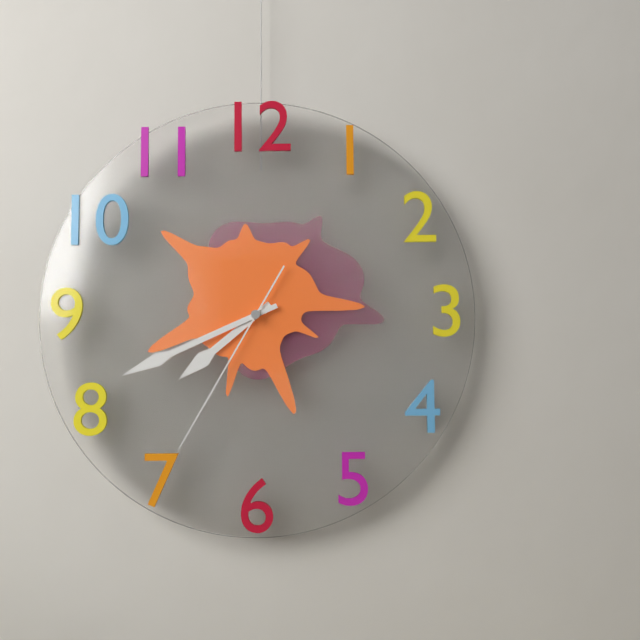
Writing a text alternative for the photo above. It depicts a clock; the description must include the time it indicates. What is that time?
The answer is 7:41:35
